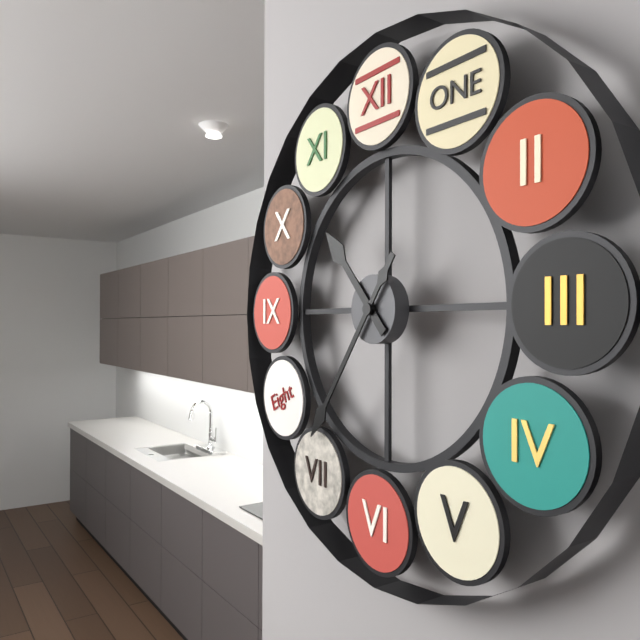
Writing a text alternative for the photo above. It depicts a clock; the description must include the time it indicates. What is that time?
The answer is 10:36
